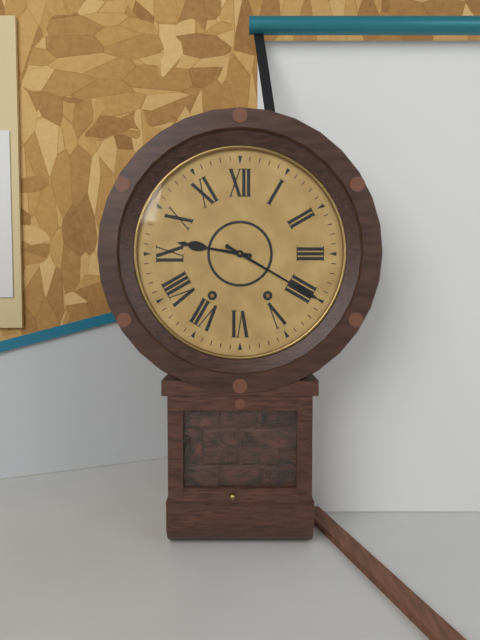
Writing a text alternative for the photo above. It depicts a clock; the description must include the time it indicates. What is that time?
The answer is 9:20
